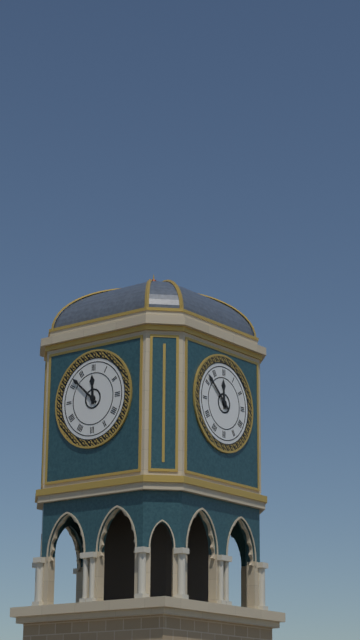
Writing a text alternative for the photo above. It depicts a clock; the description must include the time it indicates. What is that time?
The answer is 11:52
